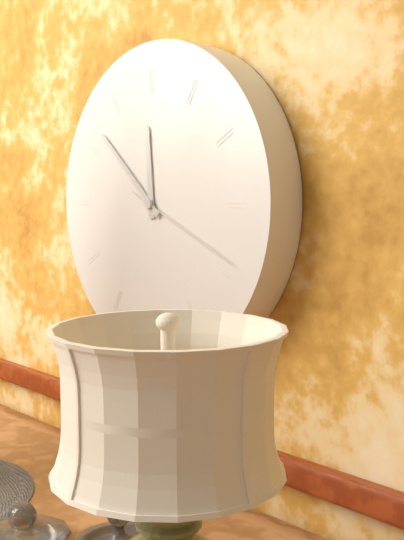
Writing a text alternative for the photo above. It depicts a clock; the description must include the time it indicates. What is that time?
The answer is 11:52:19
